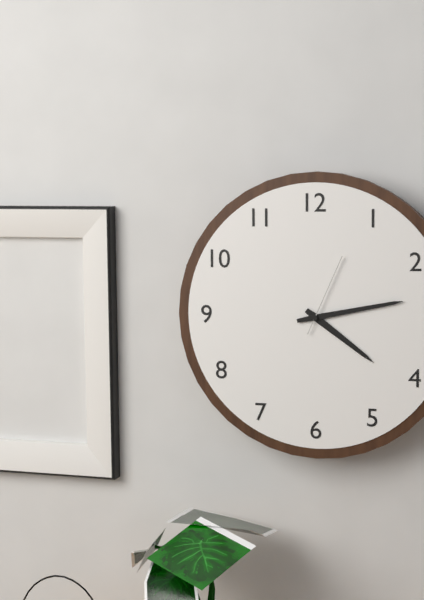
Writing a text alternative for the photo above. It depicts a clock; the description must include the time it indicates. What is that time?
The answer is 4:13:04
